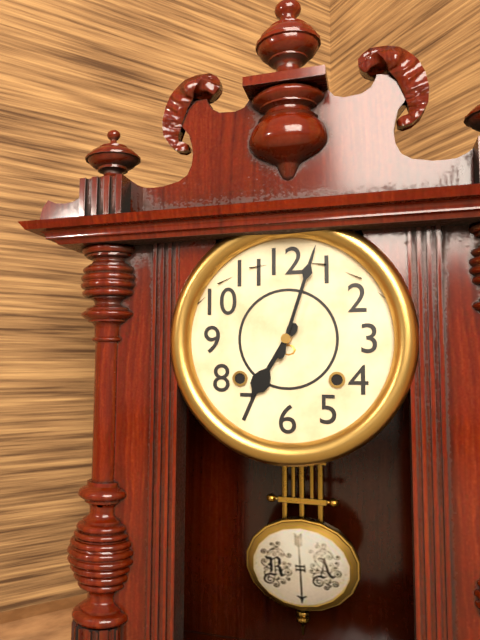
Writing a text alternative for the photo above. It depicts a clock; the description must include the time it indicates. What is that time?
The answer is 7:03
